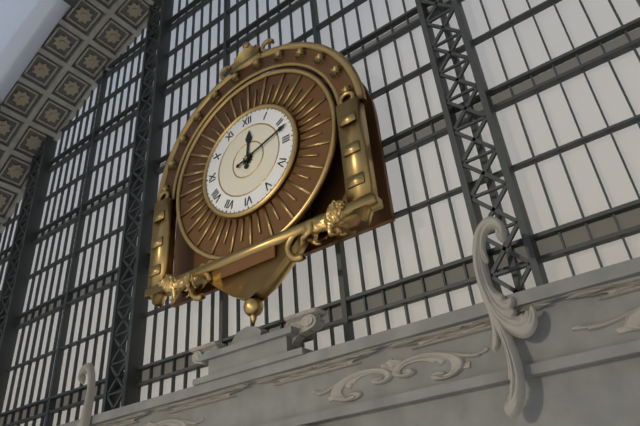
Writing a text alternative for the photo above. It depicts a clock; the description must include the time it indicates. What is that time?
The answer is 12:12
